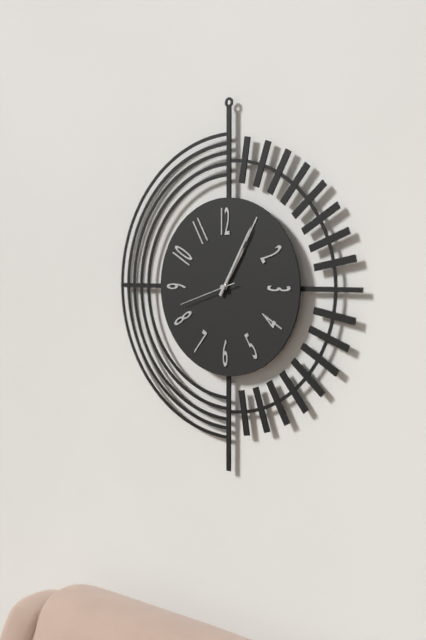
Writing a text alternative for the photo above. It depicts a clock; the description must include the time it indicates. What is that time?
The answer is 1:05:42
